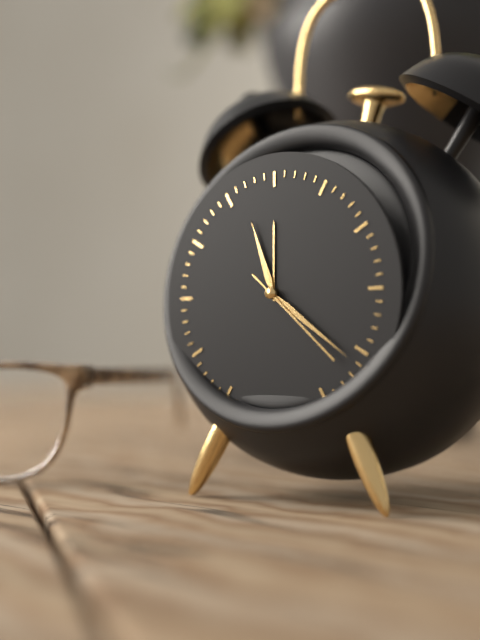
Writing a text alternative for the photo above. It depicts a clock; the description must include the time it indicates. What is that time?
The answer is 11:21:22
